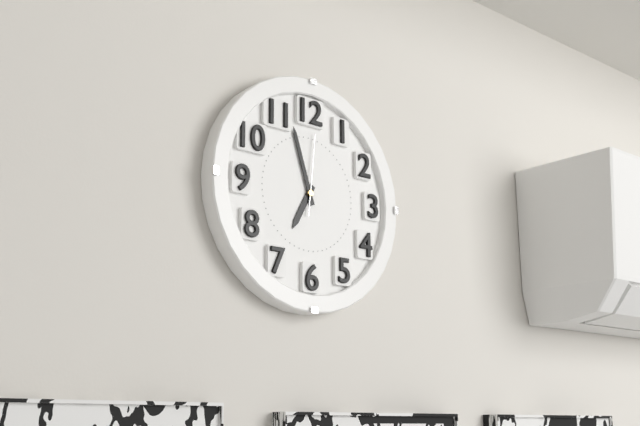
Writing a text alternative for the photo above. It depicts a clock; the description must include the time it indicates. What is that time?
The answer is 6:57:01
